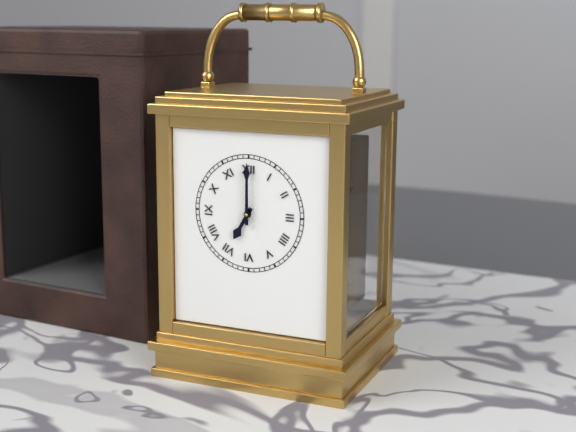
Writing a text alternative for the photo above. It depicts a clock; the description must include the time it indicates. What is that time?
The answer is 7:00
